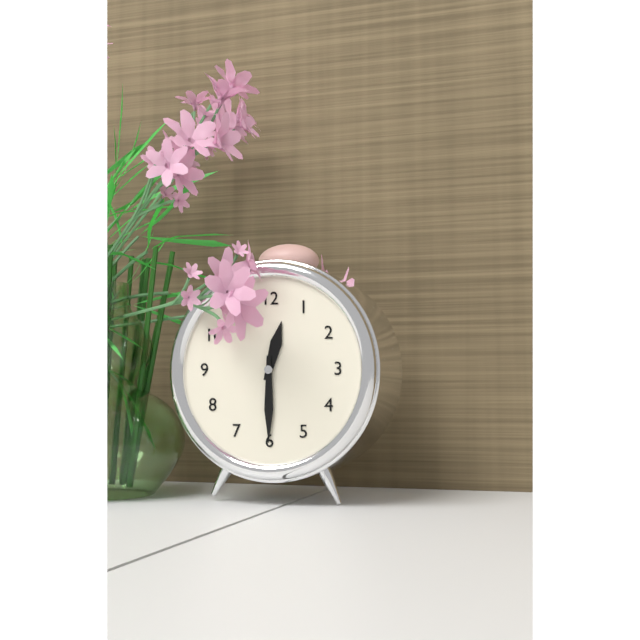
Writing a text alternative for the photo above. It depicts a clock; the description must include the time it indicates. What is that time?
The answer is 12:30
